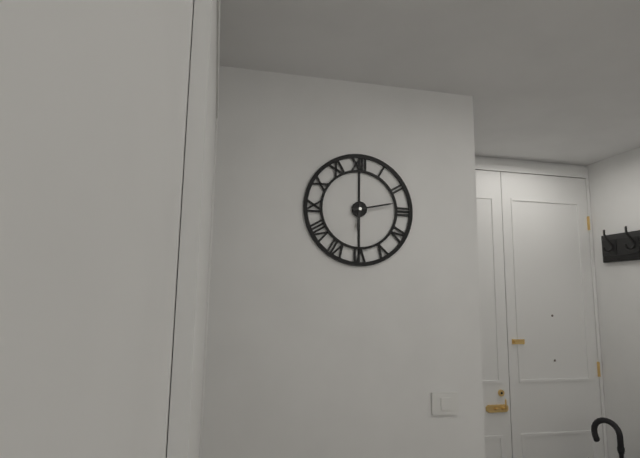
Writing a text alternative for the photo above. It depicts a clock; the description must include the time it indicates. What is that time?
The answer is 6:13
